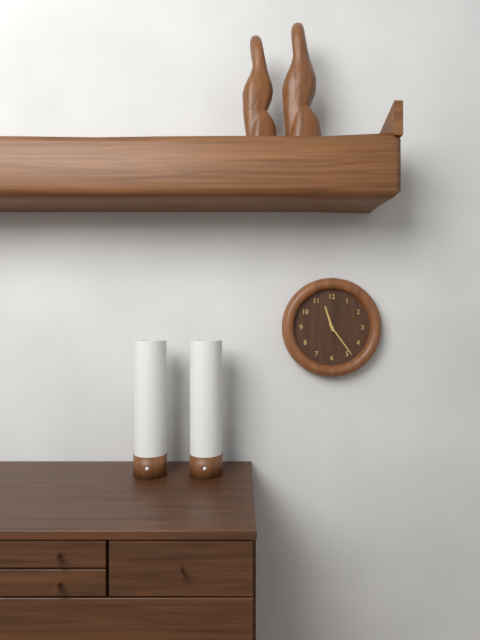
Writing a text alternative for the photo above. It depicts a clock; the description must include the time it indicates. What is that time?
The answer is 11:24
